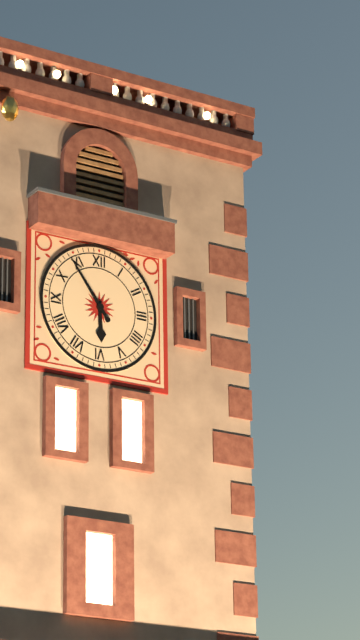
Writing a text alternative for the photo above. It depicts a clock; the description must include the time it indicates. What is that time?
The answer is 5:54
